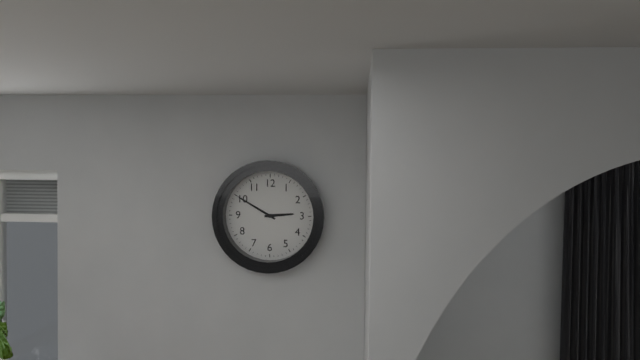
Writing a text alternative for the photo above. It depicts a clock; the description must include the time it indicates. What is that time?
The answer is 2:50
